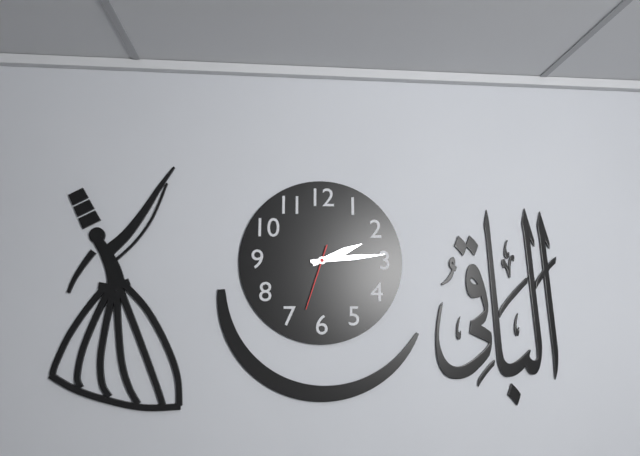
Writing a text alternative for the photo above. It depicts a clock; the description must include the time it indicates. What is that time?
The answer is 2:14:33
